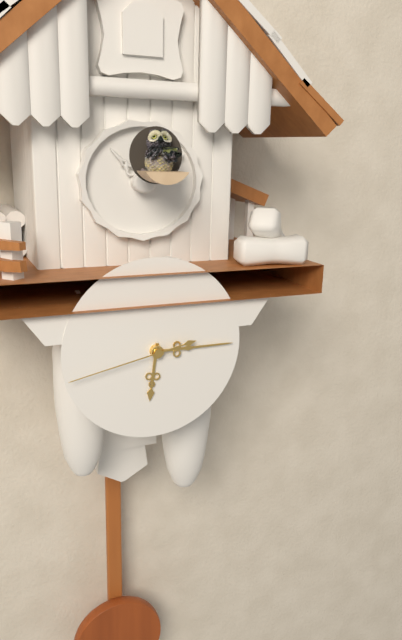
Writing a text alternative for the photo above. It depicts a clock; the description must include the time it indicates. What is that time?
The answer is 6:15:43
